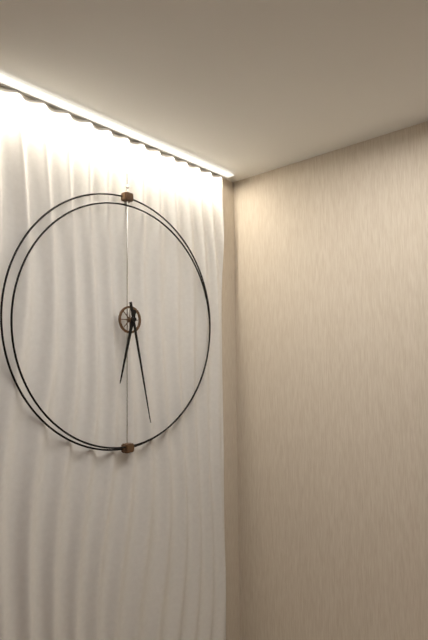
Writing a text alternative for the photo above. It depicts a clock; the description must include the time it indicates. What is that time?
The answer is 6:28
